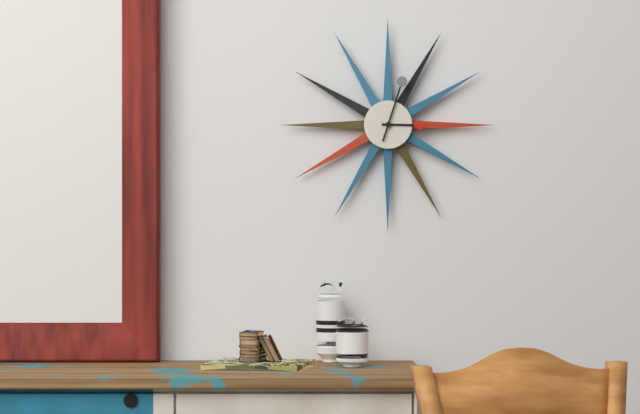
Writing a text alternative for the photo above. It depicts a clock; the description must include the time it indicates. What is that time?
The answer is 3:03
